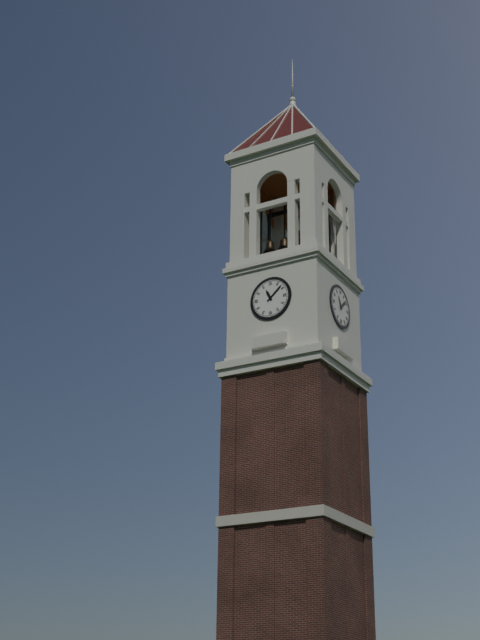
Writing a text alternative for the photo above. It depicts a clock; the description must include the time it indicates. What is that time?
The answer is 11:08
